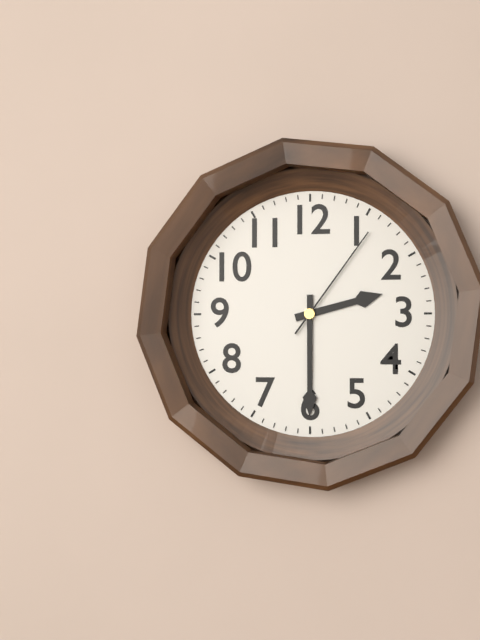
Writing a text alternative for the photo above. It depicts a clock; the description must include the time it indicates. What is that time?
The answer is 2:30:06
